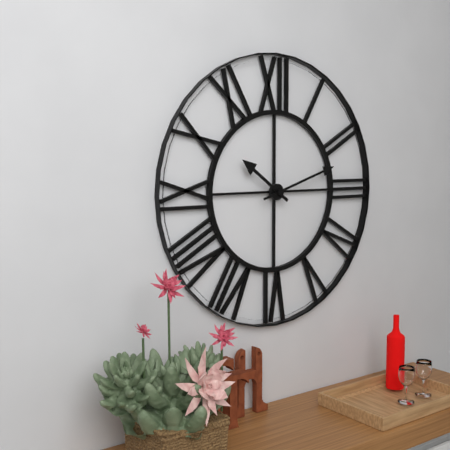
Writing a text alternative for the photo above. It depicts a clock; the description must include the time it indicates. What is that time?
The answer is 10:12
